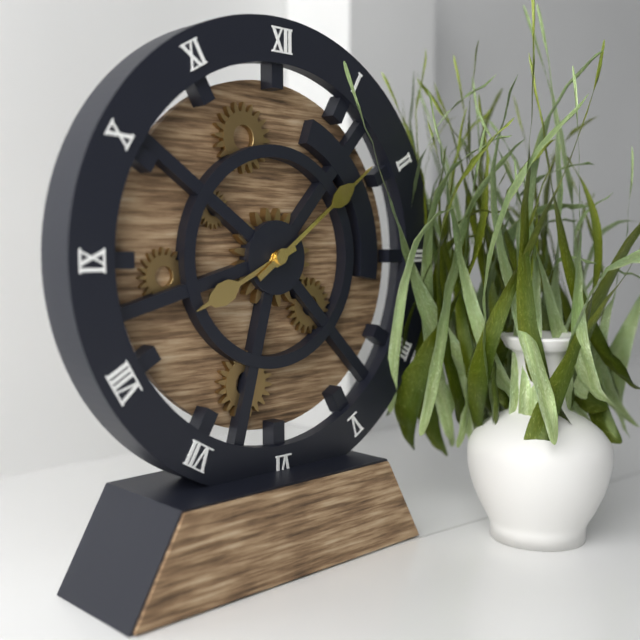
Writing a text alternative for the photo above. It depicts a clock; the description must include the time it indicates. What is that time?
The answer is 8:09
